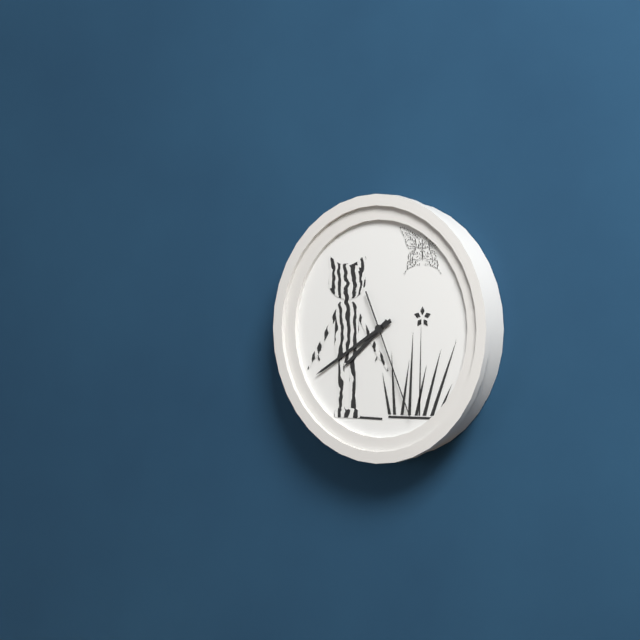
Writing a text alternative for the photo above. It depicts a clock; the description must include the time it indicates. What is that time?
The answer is 7:40:26
